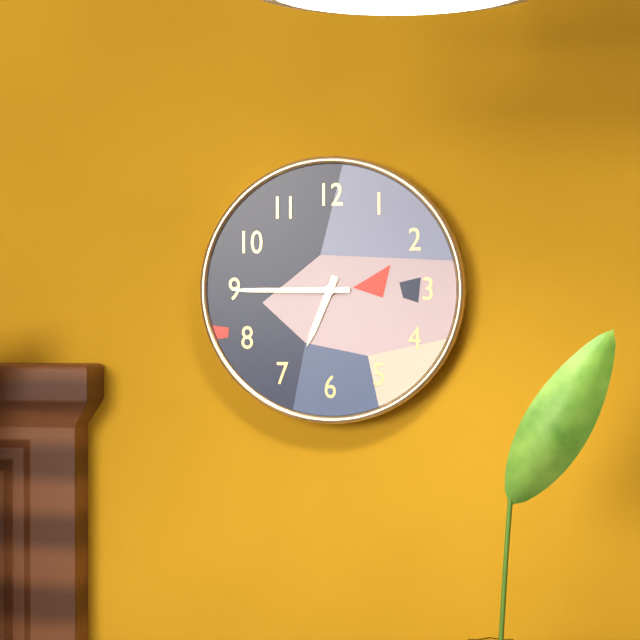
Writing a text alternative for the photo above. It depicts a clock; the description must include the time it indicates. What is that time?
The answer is 6:45
